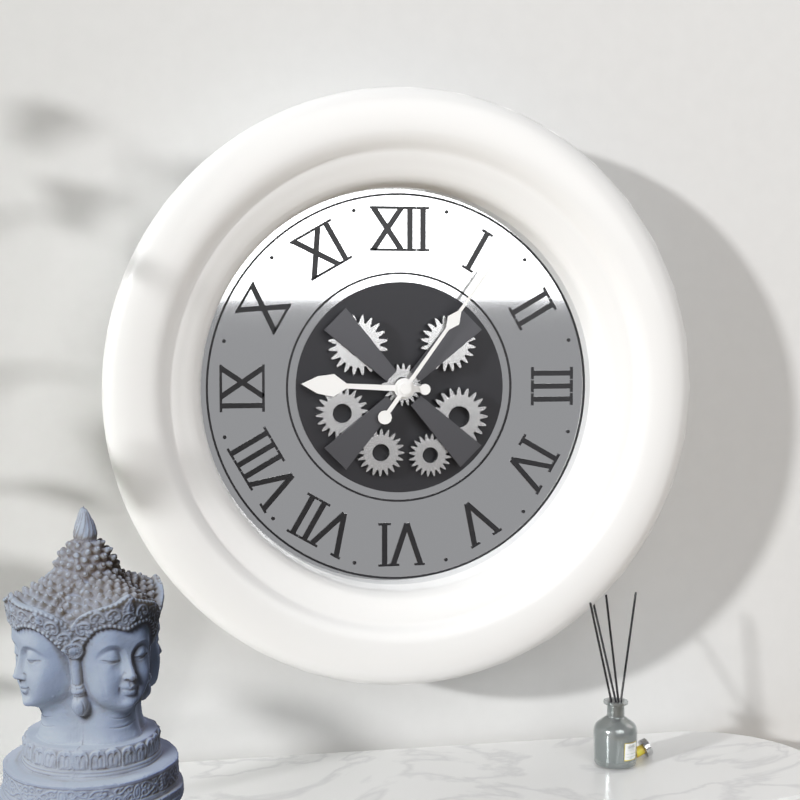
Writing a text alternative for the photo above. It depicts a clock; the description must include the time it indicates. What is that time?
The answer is 9:06
